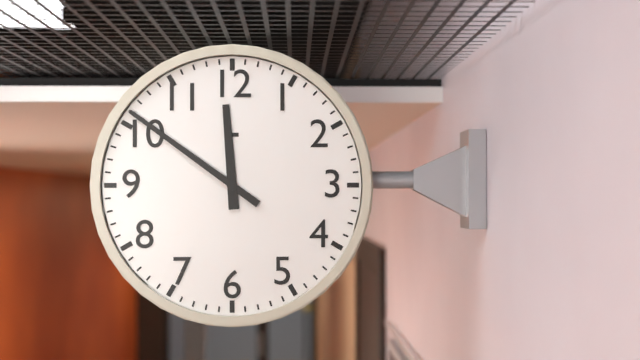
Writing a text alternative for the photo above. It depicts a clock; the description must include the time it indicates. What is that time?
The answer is 11:51
